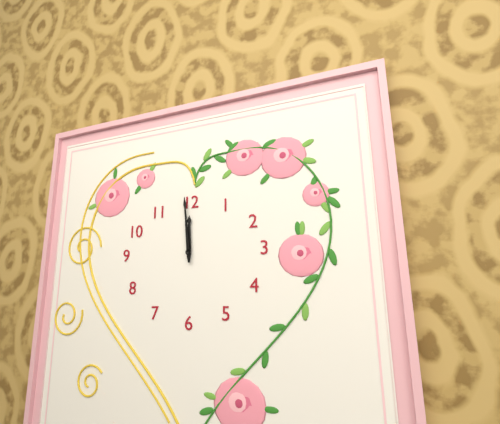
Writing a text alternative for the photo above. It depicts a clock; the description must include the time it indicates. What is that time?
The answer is 11:59
